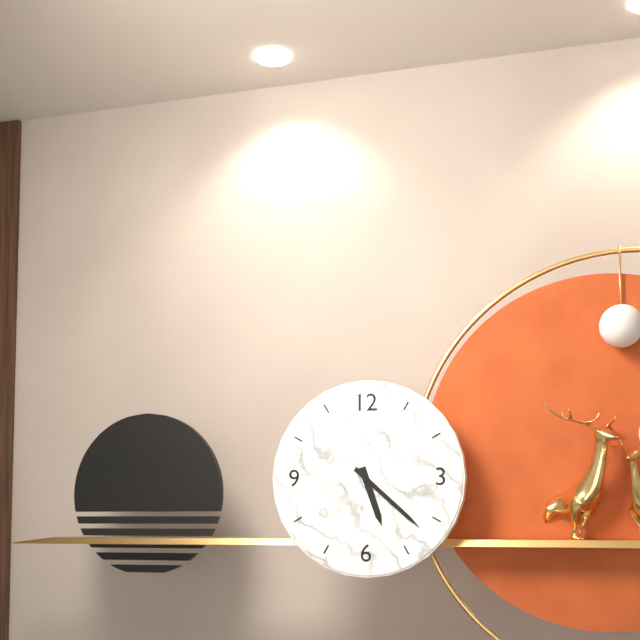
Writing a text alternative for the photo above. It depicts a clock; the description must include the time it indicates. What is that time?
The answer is 5:22
